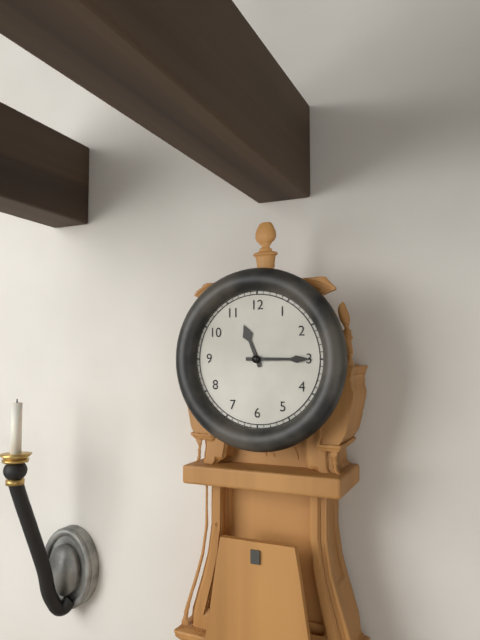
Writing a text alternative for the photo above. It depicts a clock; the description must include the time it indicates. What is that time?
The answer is 11:15
